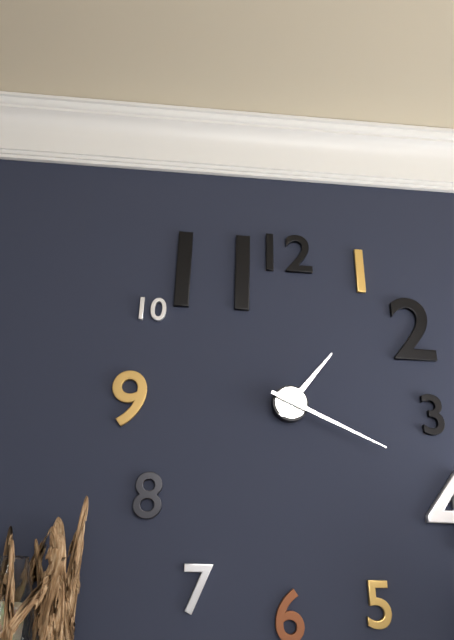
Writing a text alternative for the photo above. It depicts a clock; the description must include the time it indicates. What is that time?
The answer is 1:19
